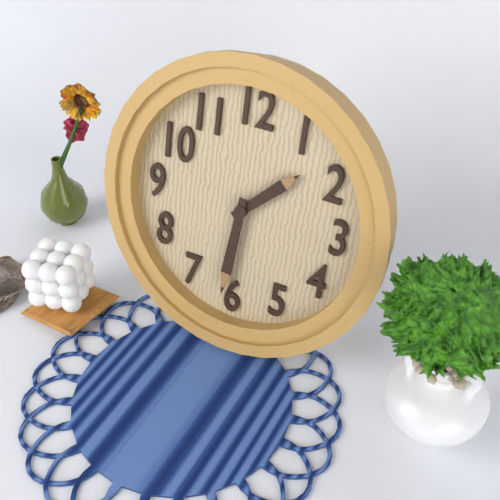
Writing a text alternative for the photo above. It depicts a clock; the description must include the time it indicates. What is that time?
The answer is 1:31
